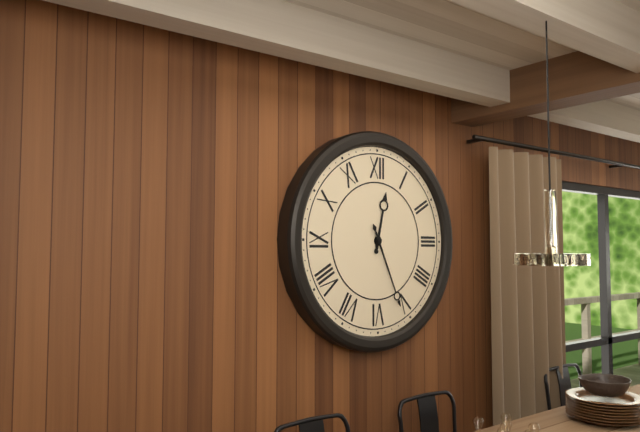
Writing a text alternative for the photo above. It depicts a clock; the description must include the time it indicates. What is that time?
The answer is 12:26
